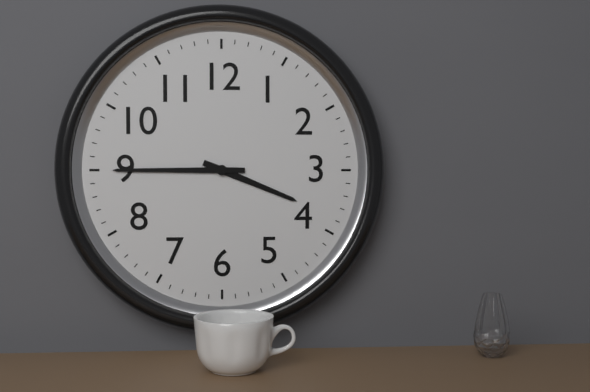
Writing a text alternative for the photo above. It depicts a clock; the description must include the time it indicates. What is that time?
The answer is 3:45
